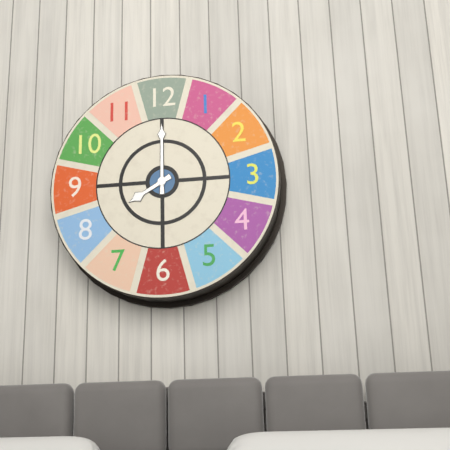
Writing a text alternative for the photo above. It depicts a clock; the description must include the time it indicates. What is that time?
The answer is 8:00
